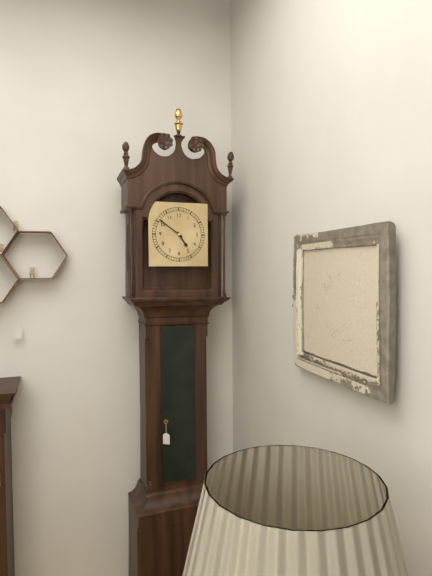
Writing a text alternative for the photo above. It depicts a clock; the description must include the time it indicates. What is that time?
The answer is 4:51
